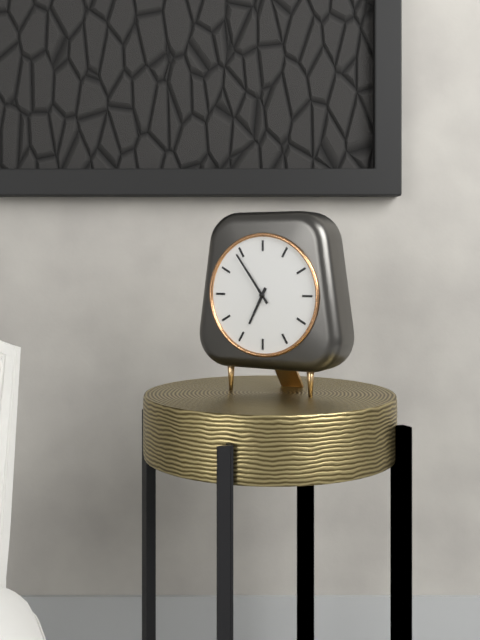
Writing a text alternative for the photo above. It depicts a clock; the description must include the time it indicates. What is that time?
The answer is 6:54
